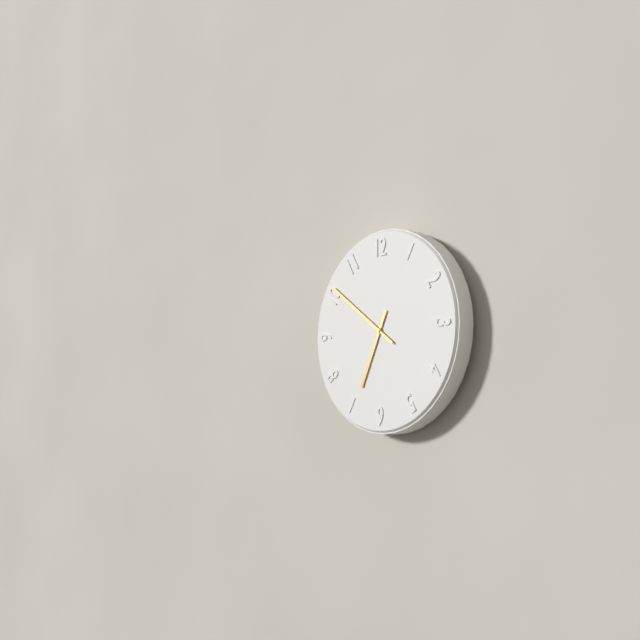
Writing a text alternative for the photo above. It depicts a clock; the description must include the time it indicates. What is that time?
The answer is 6:51
